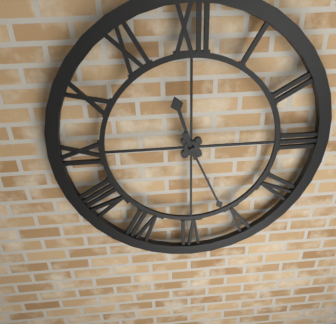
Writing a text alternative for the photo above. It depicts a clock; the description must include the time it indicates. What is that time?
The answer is 11:26
